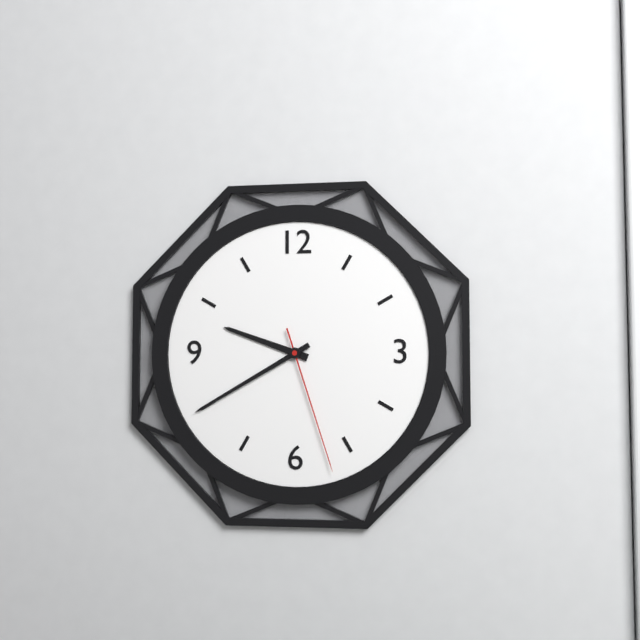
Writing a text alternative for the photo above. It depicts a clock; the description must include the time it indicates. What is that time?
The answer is 9:40:27
